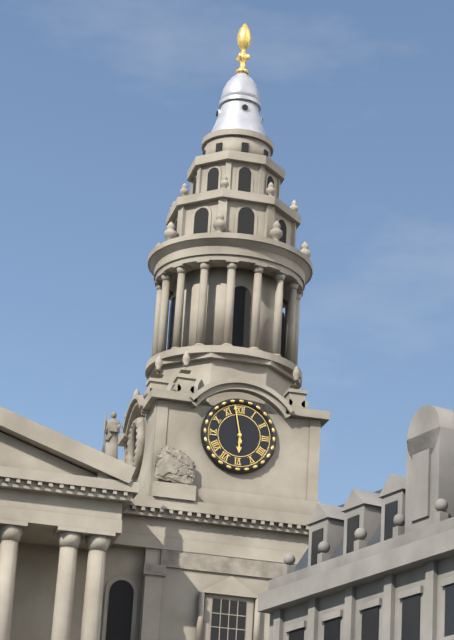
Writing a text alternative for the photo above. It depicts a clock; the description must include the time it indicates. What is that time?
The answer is 5:58
